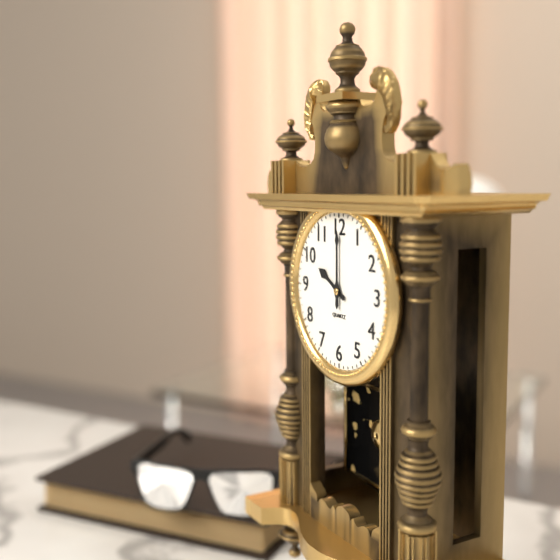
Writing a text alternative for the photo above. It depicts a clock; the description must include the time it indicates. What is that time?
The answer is 10:00
